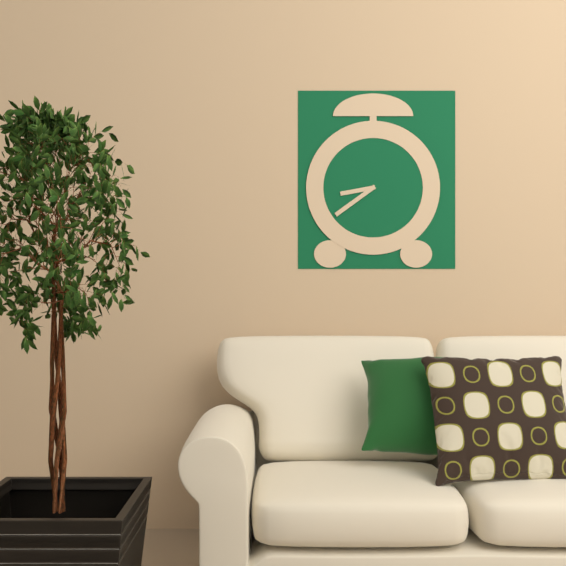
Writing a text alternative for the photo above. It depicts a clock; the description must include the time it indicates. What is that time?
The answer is 8:39
